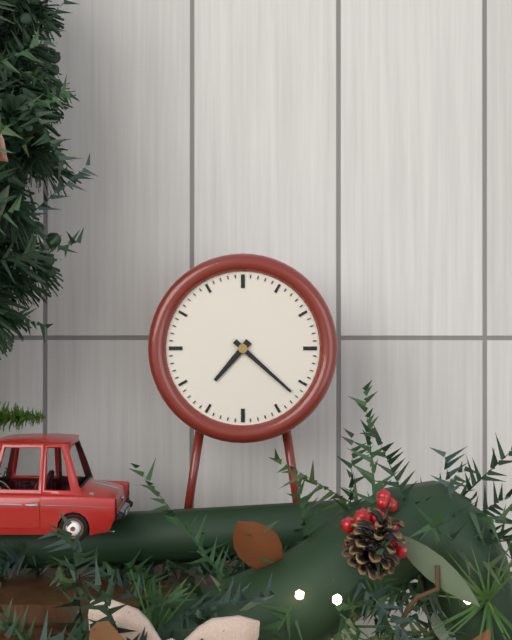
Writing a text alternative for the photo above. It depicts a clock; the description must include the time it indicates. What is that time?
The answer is 7:22
